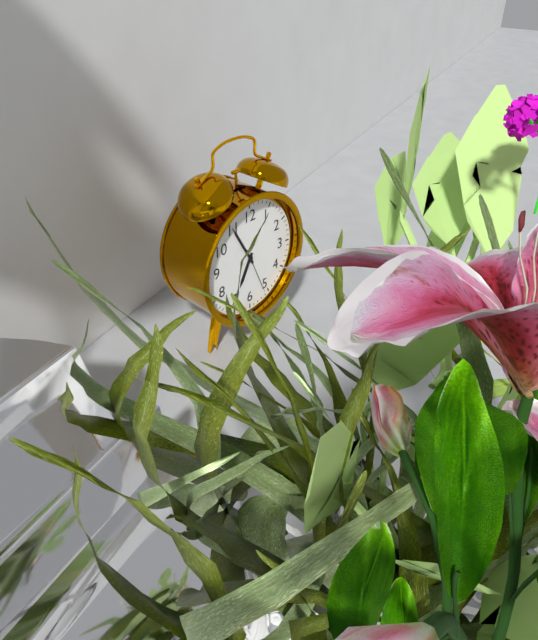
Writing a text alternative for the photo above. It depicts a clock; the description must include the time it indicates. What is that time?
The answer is 6:55
